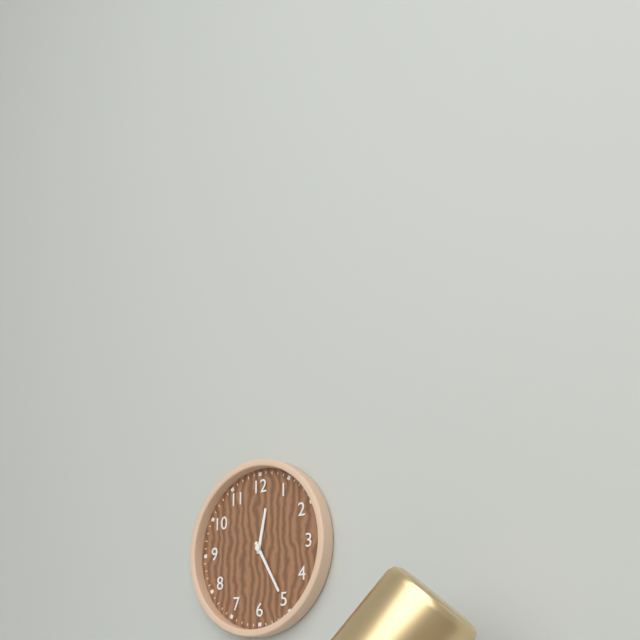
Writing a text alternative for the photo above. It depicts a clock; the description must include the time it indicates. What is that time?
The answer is 12:25
